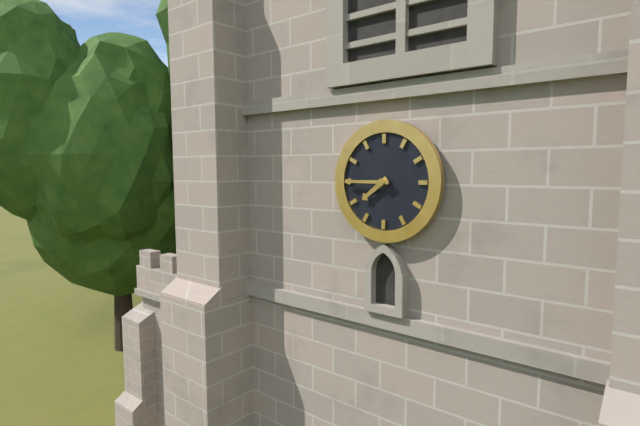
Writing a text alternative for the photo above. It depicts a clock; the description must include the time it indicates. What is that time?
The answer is 7:45
